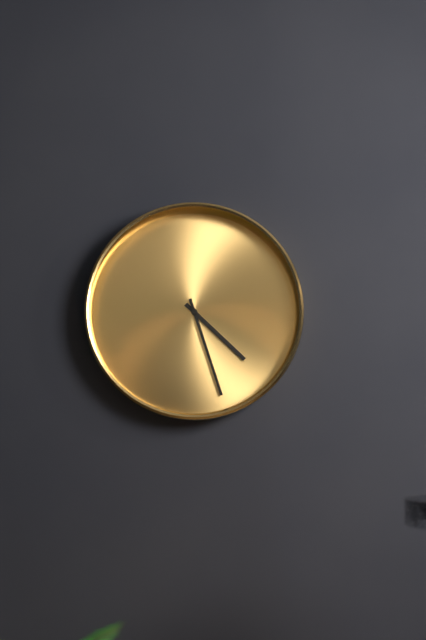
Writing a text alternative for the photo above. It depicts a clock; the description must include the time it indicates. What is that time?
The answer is 4:27
